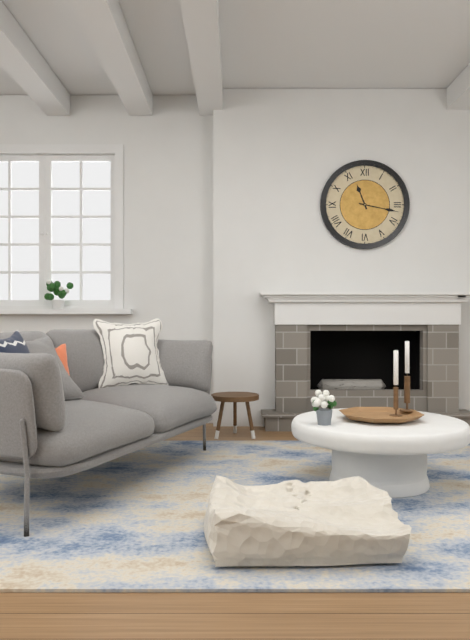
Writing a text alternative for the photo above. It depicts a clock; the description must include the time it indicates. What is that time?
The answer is 11:17
